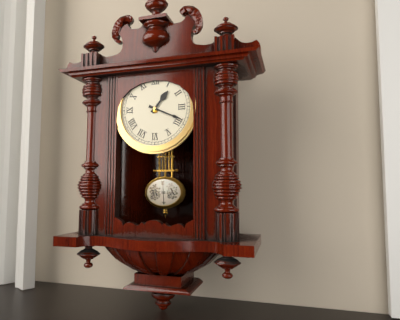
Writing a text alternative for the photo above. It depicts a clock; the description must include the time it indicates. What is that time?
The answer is 1:19
